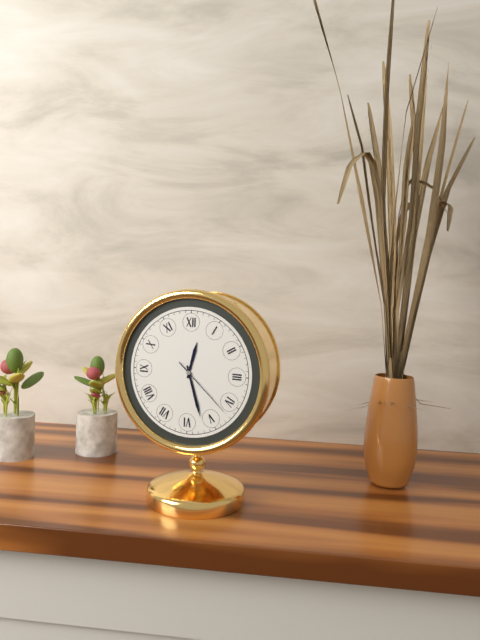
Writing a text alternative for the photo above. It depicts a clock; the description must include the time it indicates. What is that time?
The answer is 12:27:22
